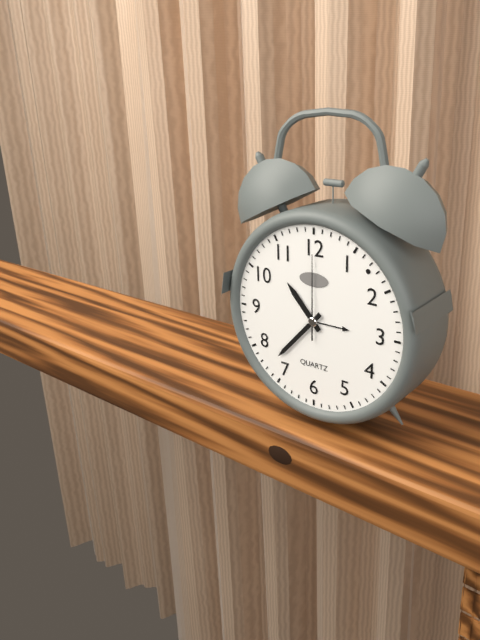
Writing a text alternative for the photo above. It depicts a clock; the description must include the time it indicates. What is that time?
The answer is 10:37:00
